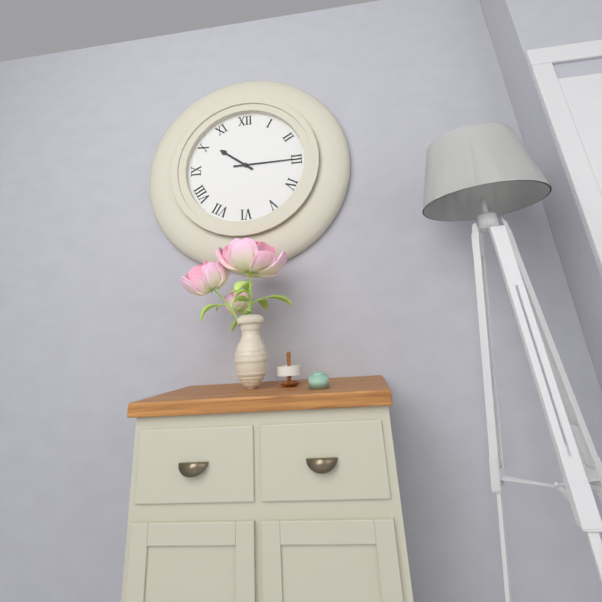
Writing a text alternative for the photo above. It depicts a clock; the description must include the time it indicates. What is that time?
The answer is 10:15
